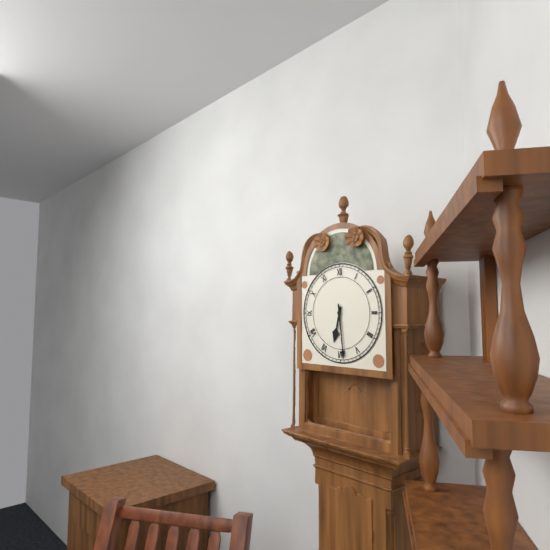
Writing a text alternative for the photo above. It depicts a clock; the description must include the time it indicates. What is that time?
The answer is 6:29
